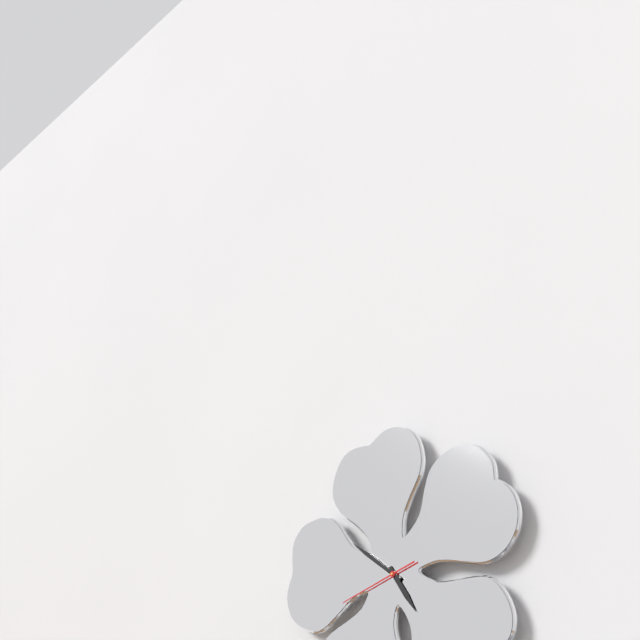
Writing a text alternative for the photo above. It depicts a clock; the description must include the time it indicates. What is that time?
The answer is 4:51:42
